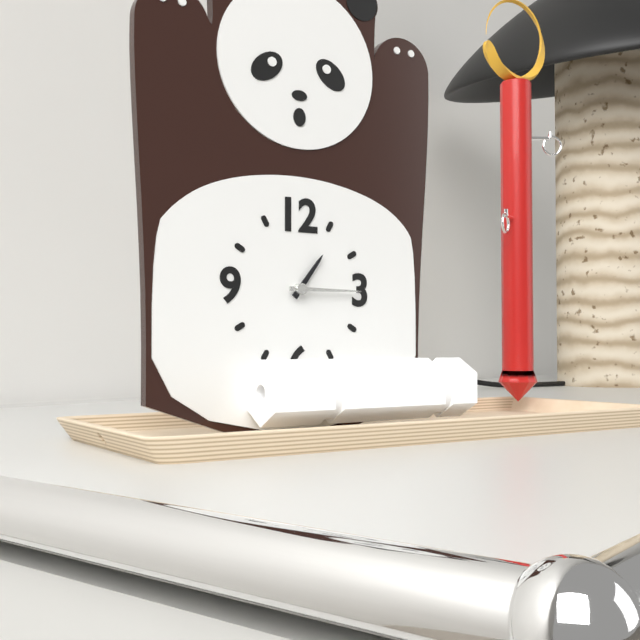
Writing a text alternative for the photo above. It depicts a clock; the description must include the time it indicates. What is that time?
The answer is 1:15
